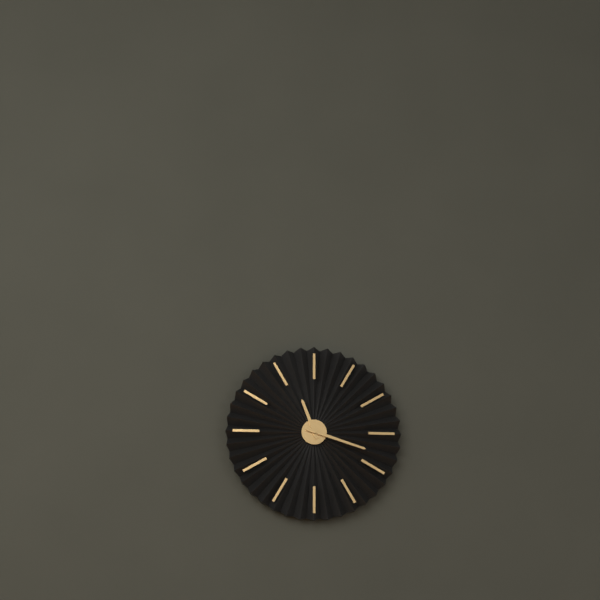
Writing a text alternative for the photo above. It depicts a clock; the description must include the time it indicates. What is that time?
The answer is 11:18
